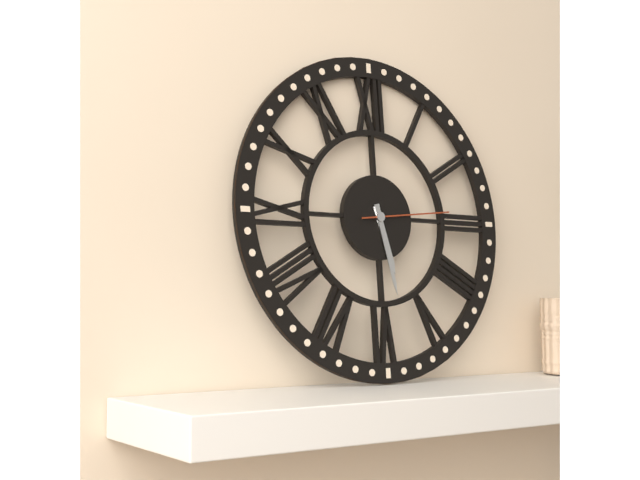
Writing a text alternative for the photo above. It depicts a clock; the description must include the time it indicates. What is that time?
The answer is 5:28:14
